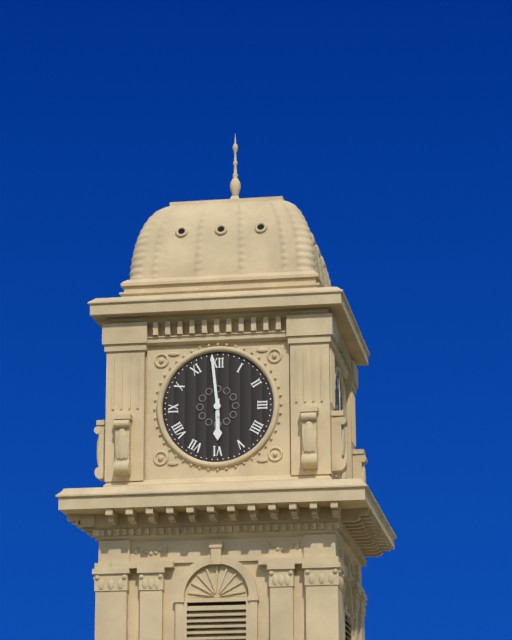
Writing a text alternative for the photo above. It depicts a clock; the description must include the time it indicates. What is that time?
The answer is 5:59
